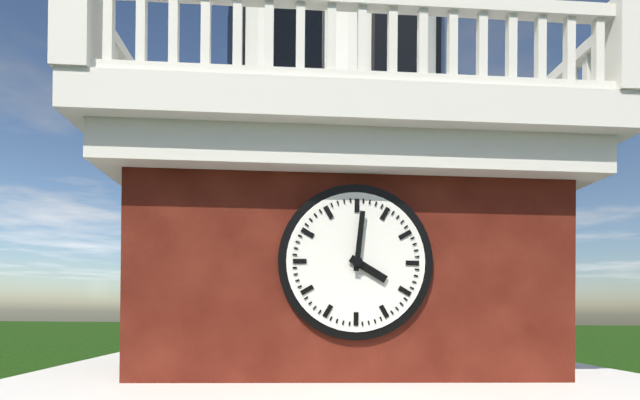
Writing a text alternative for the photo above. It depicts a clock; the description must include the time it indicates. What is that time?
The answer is 4:01
